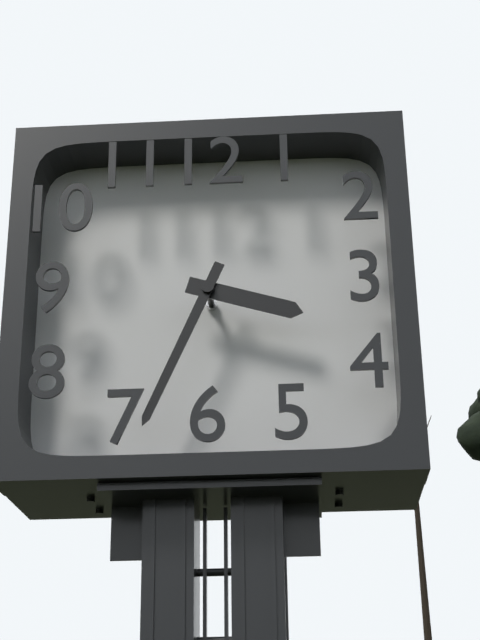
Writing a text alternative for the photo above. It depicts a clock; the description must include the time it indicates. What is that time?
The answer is 3:34
